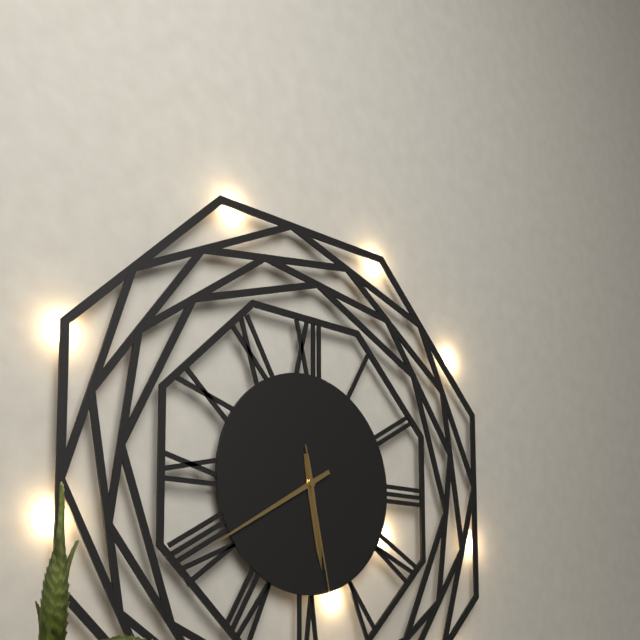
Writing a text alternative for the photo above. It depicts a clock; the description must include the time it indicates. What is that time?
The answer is 5:40:28
